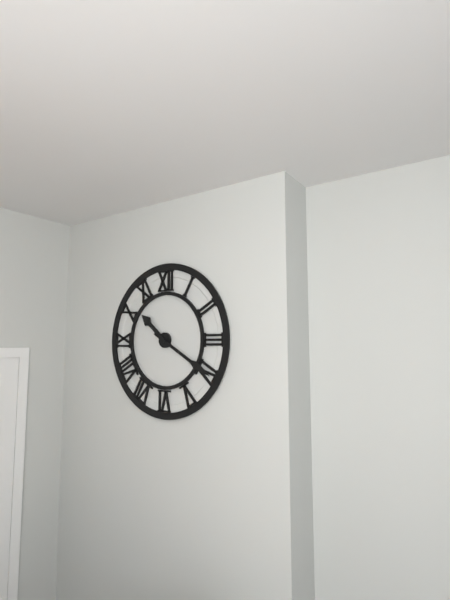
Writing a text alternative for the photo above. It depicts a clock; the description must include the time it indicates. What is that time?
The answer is 10:20
